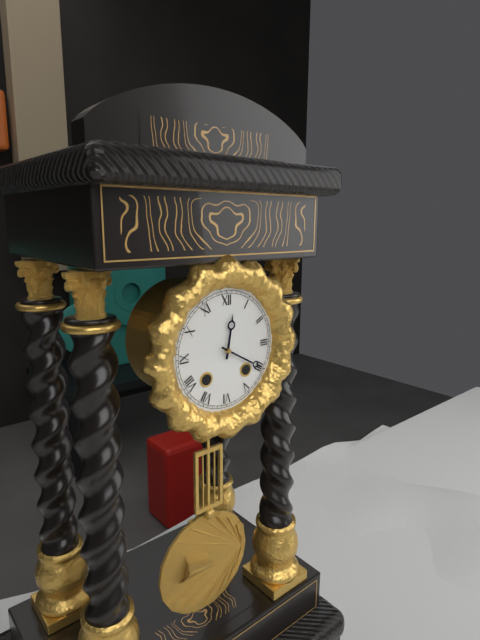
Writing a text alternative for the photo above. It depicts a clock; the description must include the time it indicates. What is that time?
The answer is 12:20
